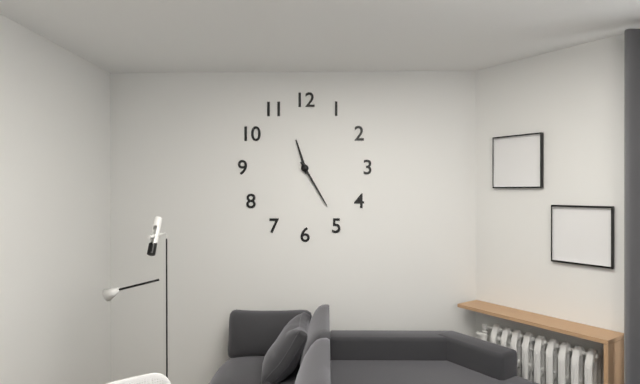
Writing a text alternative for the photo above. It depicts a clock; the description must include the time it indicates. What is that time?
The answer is 11:25
